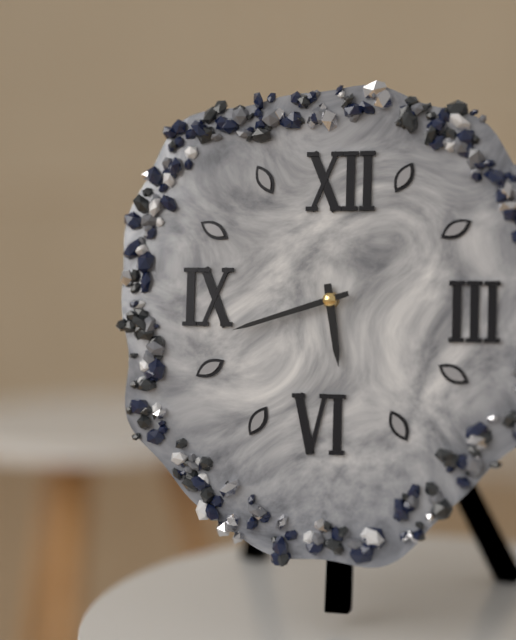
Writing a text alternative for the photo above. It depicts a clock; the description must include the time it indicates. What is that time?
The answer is 5:42
